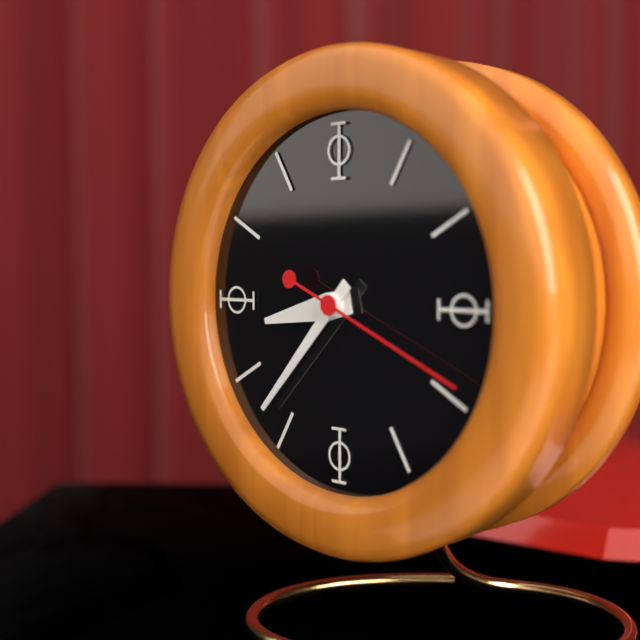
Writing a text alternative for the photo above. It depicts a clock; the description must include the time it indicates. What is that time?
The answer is 8:37:19
